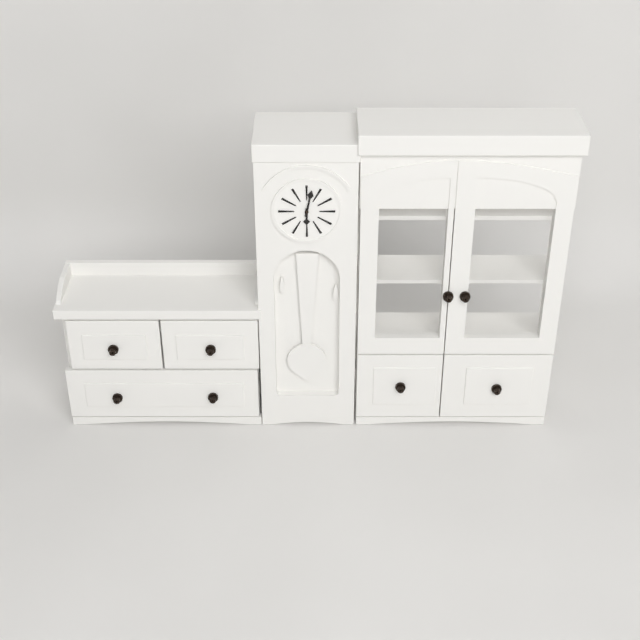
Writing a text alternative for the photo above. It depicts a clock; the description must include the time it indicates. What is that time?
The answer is 6:02
